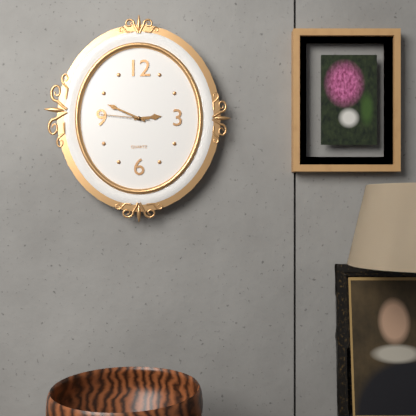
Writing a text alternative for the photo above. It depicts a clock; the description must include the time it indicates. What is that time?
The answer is 2:49:46
